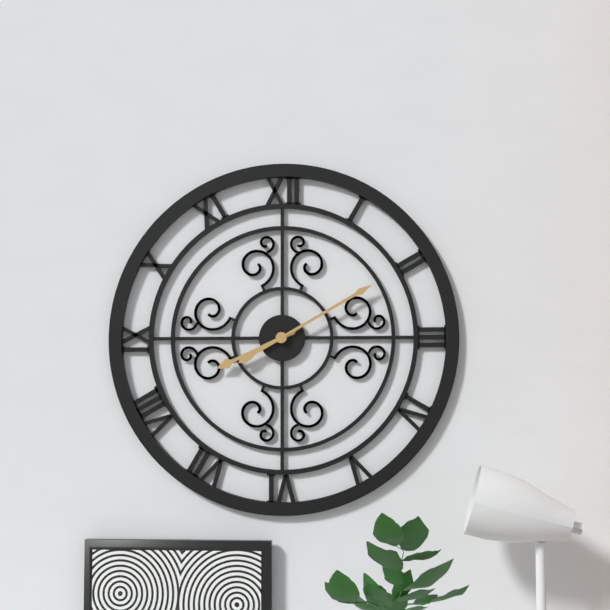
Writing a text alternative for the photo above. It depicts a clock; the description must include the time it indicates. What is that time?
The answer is 8:10
